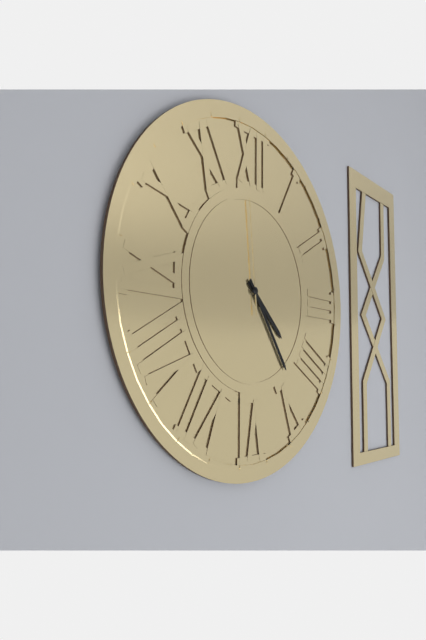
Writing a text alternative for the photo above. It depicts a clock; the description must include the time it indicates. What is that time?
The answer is 4:24:59
